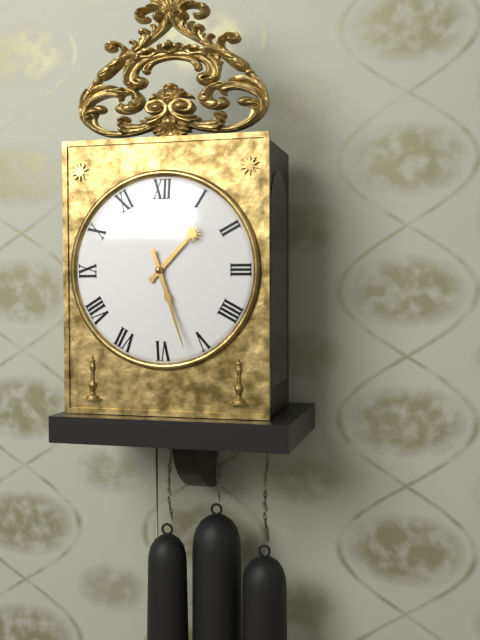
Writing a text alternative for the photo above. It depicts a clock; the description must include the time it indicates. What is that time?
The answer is 1:27
